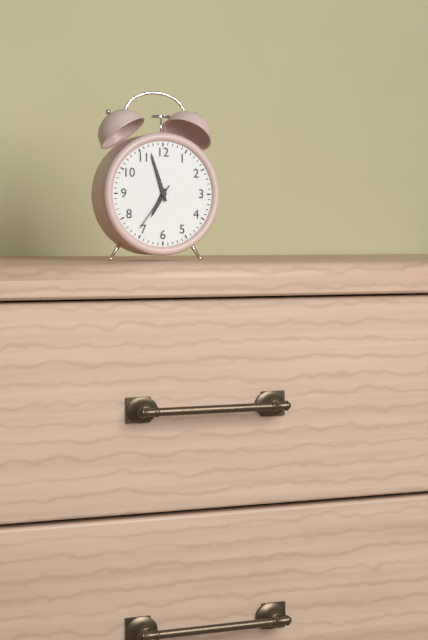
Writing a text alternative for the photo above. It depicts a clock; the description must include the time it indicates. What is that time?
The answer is 6:57:36
